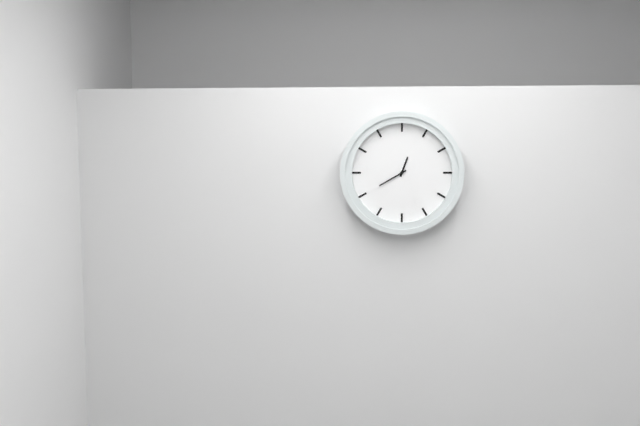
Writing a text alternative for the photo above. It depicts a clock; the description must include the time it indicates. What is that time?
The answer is 12:40
